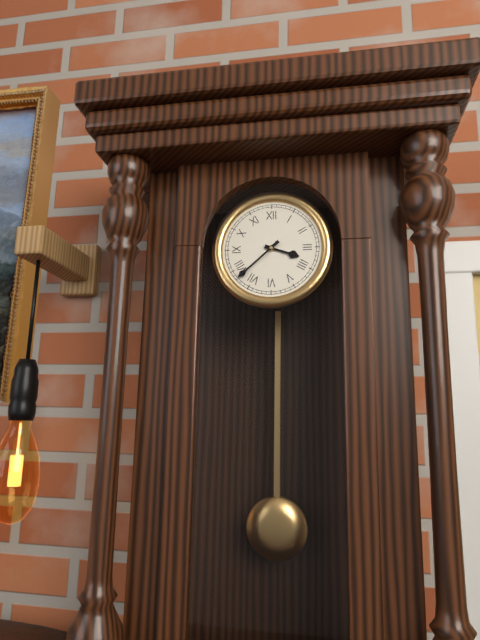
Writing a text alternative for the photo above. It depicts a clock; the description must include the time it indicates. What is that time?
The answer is 3:38
